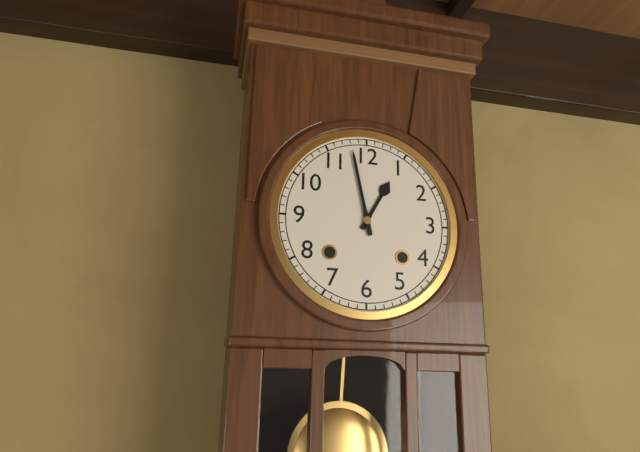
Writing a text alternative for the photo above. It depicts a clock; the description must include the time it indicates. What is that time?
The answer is 12:58
